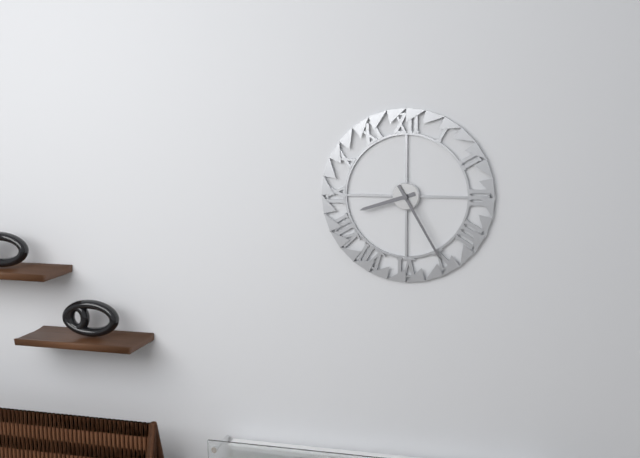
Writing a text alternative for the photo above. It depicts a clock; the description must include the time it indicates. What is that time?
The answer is 8:25
